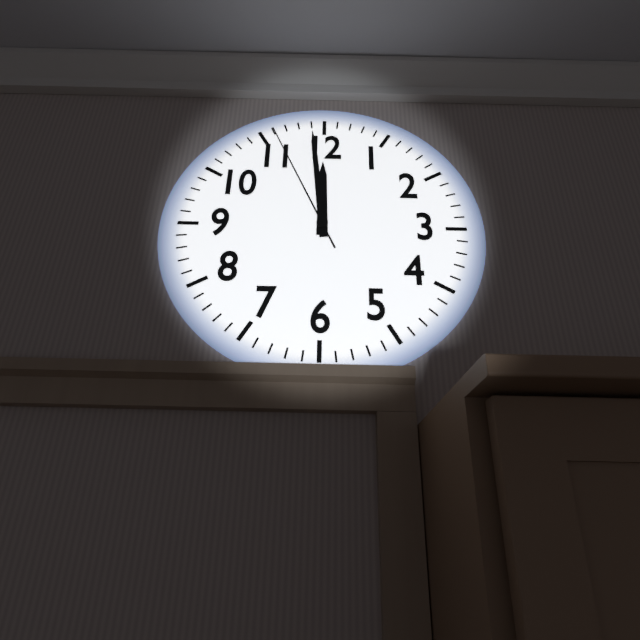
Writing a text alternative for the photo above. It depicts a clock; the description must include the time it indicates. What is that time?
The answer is 11:59:56
